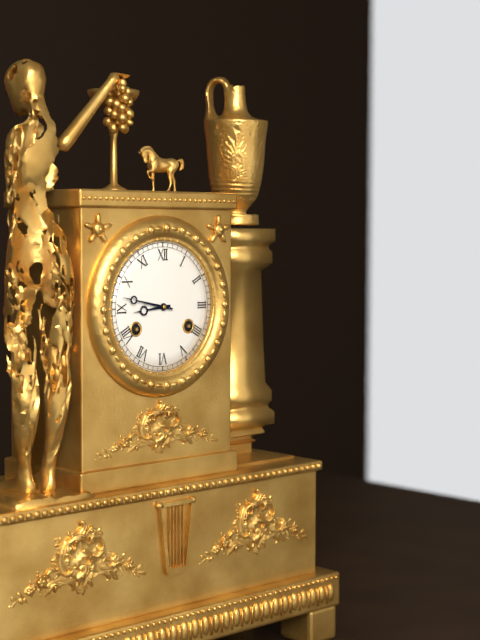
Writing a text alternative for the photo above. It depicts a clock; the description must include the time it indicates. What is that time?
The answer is 8:47
